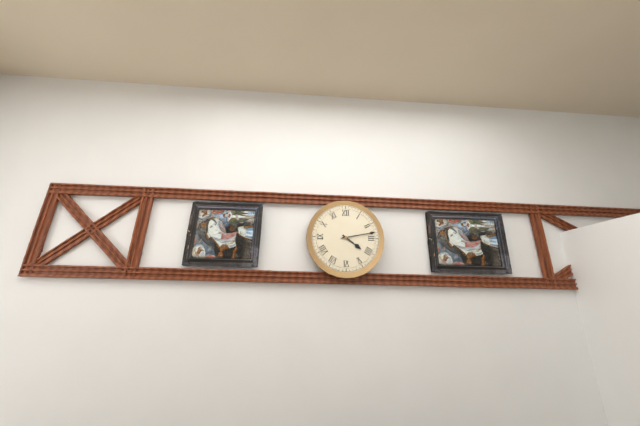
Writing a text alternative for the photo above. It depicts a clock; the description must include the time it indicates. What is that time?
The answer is 4:13
